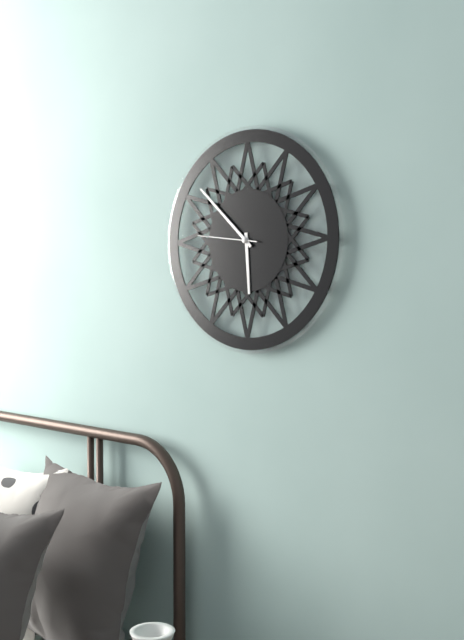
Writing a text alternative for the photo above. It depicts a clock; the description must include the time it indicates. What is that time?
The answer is 5:52:46
